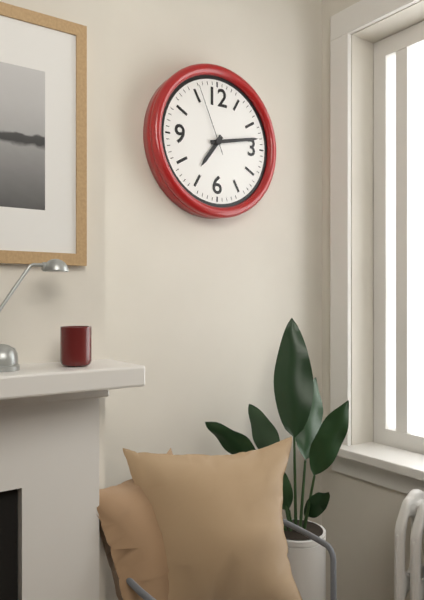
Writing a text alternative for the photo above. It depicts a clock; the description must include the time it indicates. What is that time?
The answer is 7:13:56
